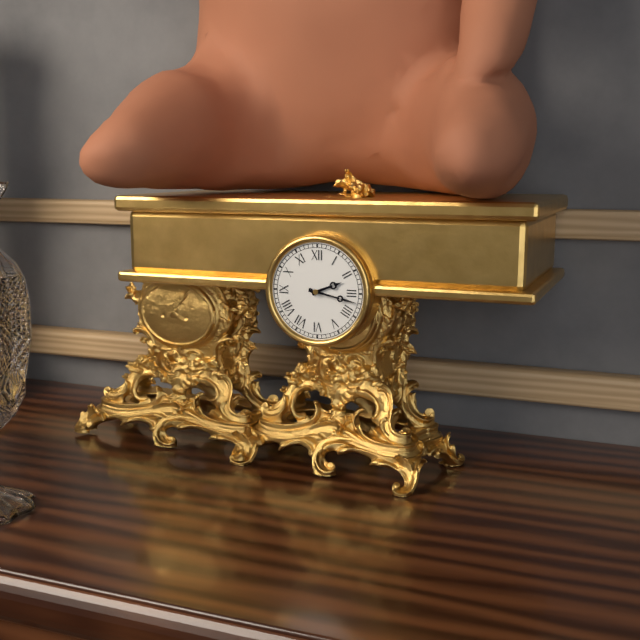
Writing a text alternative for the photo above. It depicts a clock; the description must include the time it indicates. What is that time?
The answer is 2:17
